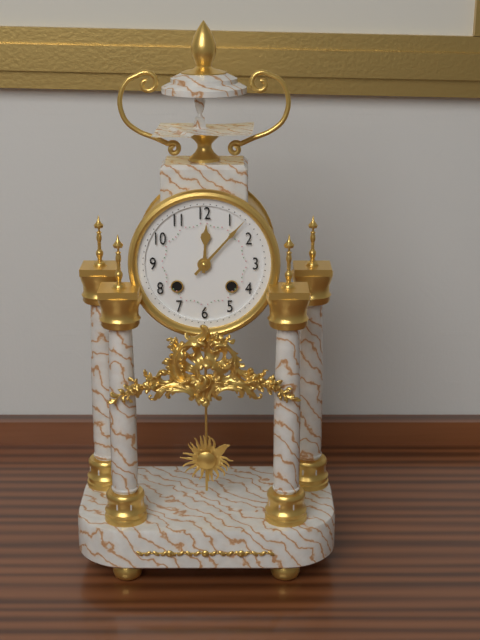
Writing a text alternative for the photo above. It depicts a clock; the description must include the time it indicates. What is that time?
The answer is 12:07
